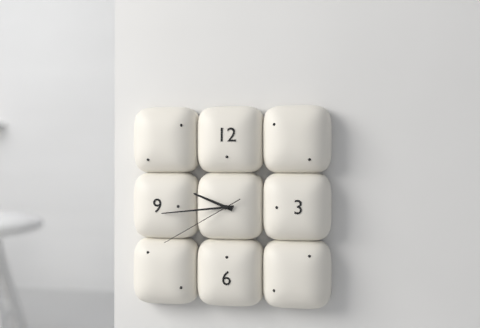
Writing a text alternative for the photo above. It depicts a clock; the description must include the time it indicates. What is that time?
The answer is 9:44:40
